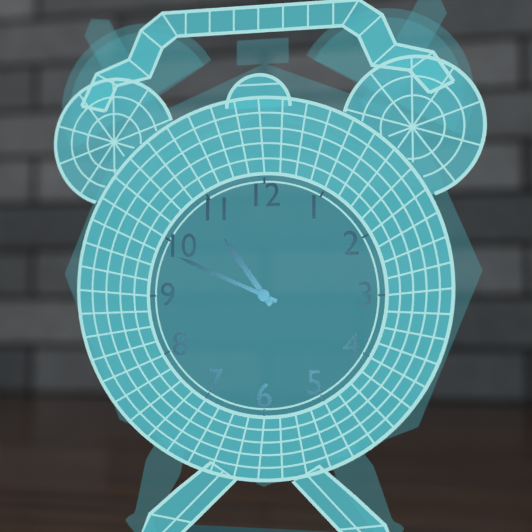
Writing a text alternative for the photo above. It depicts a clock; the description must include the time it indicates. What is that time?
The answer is 10:49
